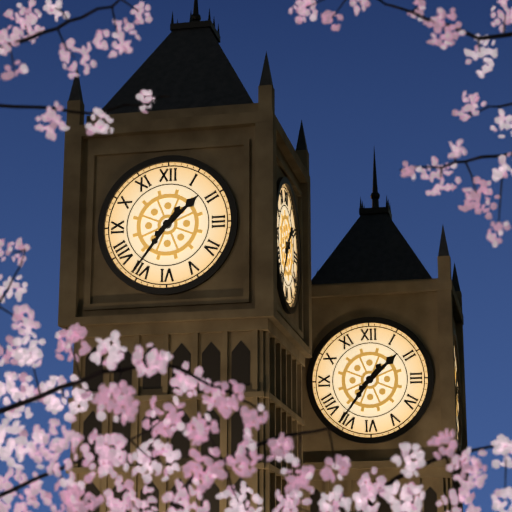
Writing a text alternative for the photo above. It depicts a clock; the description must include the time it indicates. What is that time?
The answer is 1:36
